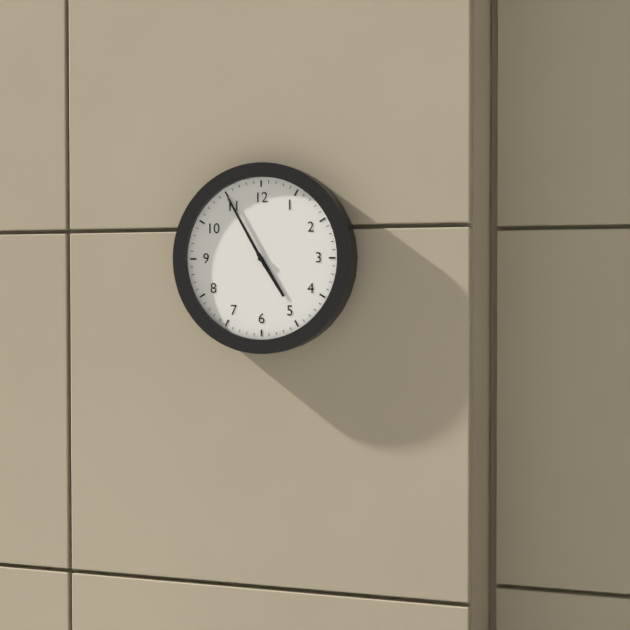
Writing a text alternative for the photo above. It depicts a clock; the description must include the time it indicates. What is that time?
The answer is 4:55
